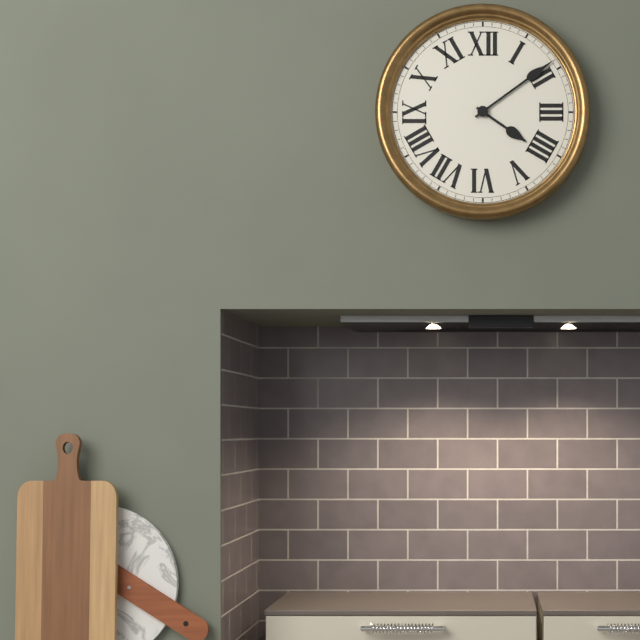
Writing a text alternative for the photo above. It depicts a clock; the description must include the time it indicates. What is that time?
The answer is 4:09
